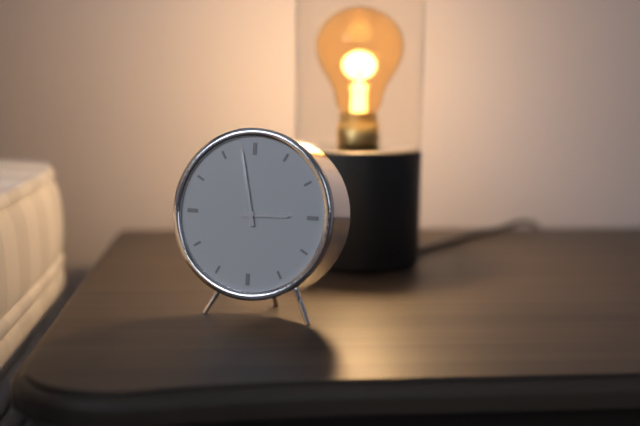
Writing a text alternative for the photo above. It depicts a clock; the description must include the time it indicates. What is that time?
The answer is 2:58
